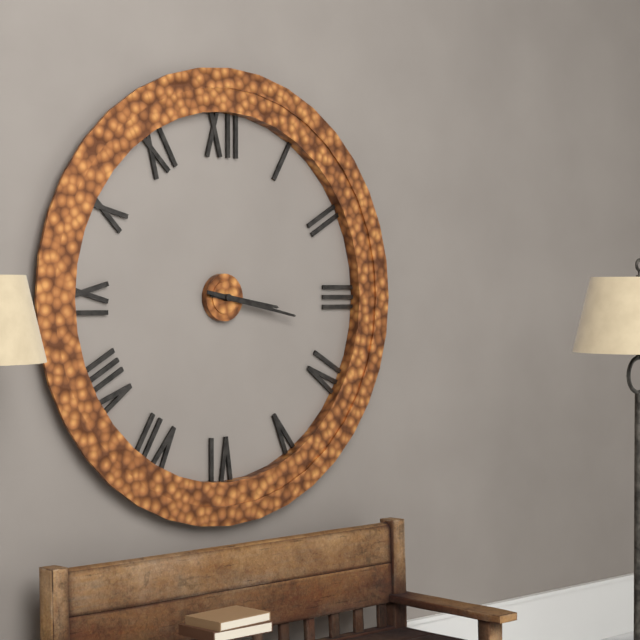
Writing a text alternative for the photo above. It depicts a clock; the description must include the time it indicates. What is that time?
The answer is 3:17
